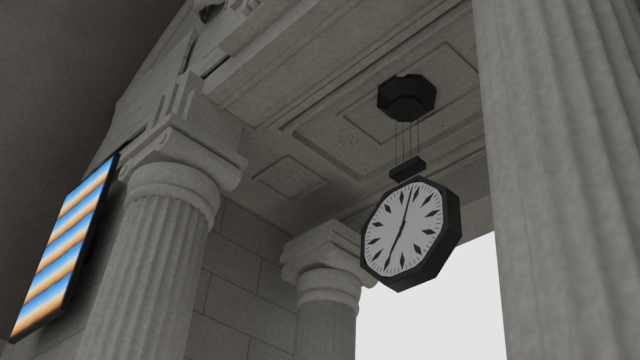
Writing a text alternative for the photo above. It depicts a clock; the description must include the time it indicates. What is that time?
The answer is 7:03
